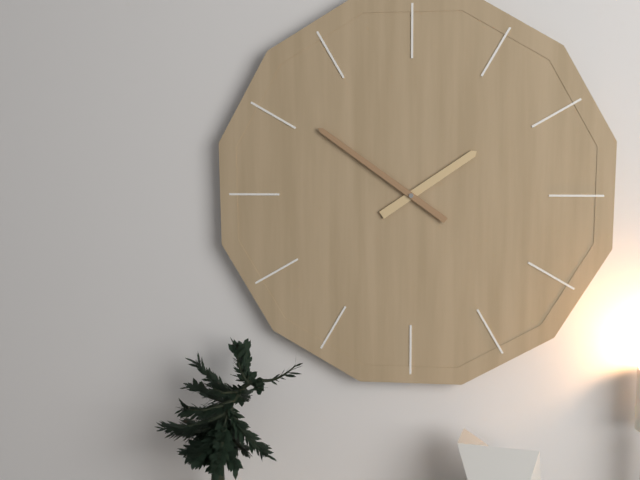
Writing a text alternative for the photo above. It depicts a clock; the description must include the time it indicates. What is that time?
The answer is 1:51
